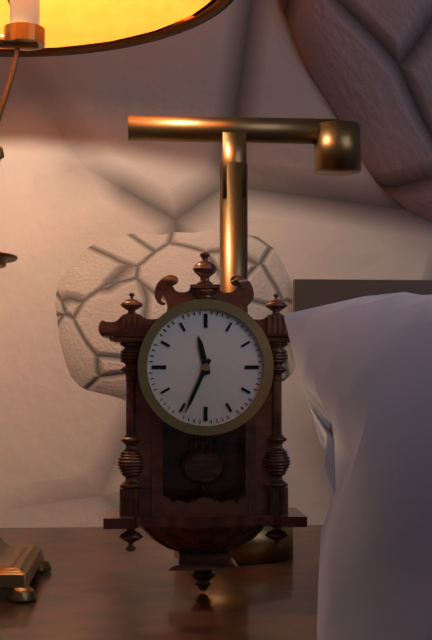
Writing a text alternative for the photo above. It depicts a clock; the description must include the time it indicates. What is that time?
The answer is 11:34
